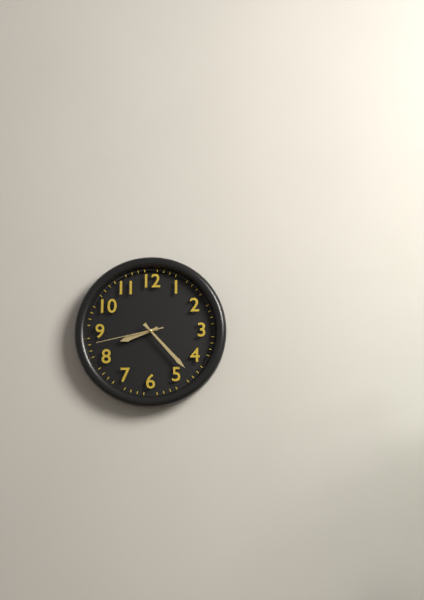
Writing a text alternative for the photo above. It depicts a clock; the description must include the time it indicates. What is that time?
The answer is 8:23:43
